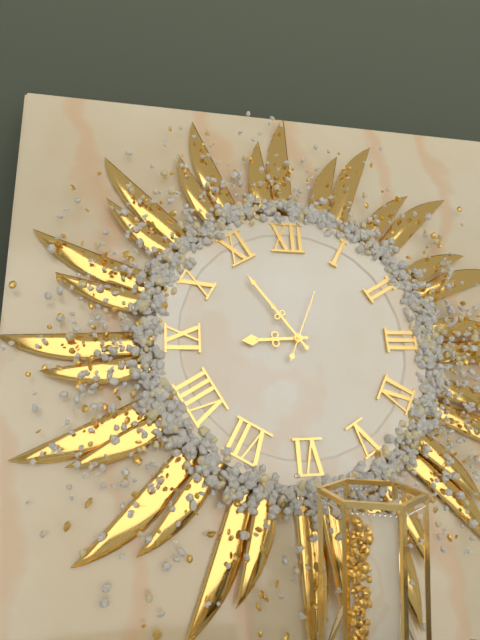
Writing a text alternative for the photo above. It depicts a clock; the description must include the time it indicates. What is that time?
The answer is 8:54:04
